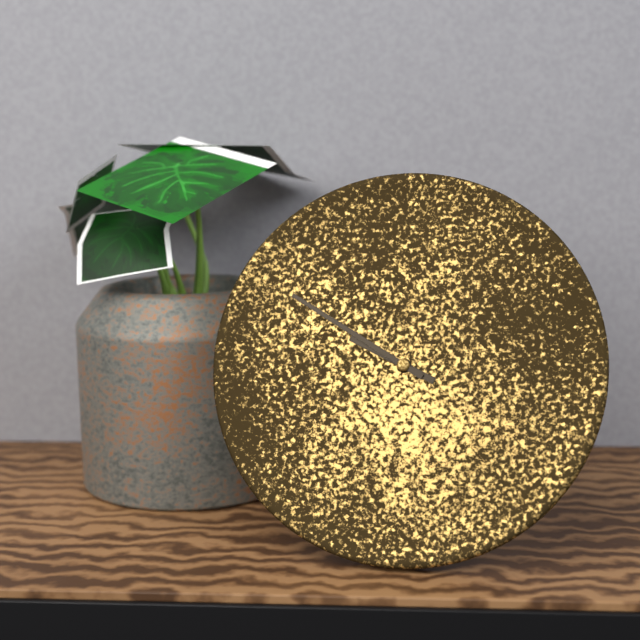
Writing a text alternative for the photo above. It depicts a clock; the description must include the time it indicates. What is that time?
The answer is 9:50
